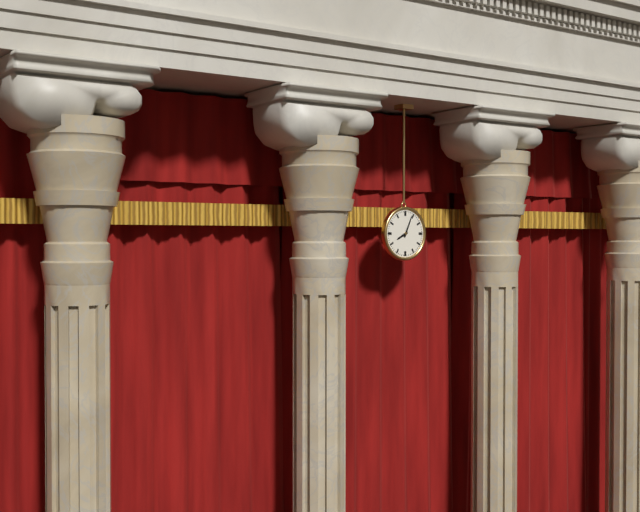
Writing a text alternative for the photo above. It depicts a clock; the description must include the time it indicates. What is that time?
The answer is 8:04
